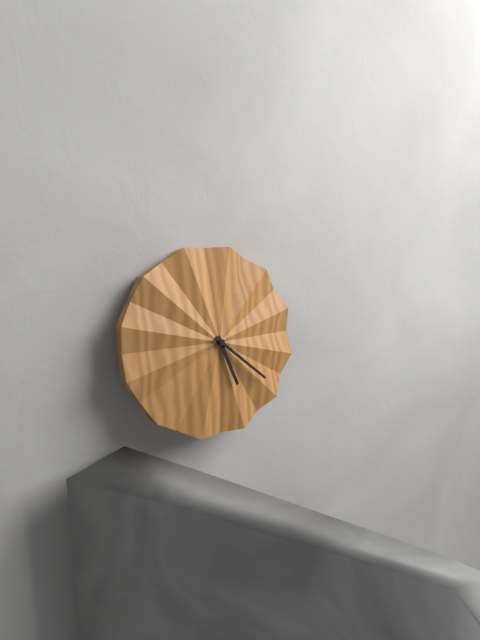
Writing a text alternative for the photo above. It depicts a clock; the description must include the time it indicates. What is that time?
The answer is 5:22
